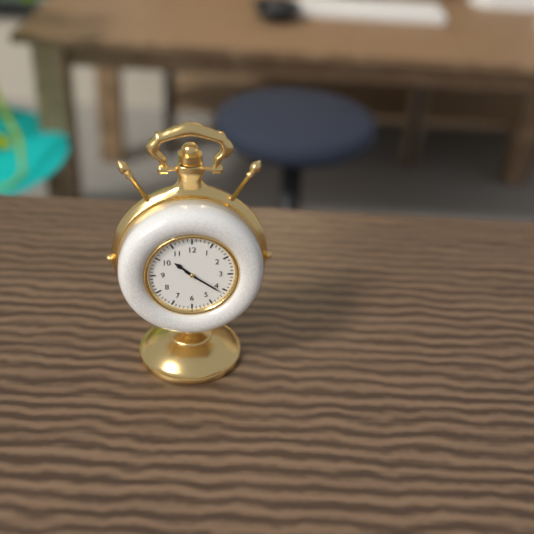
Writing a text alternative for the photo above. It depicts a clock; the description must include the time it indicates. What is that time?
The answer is 10:21
